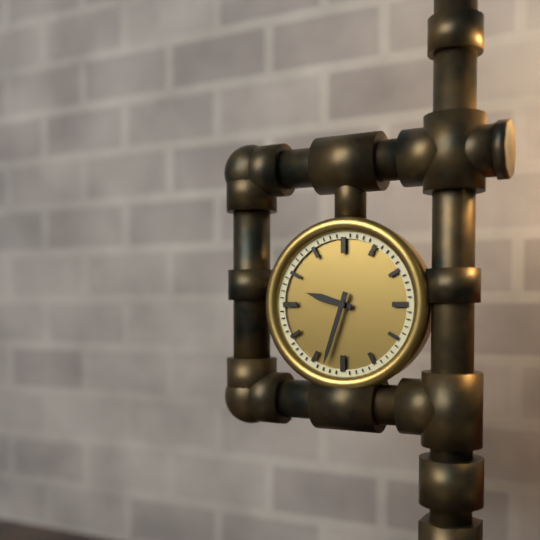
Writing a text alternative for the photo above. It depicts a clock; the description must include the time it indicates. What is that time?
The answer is 9:33
